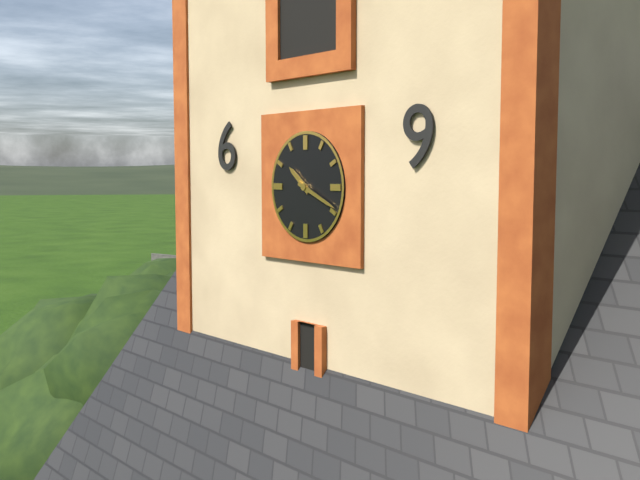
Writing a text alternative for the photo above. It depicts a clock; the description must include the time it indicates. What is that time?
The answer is 10:19
